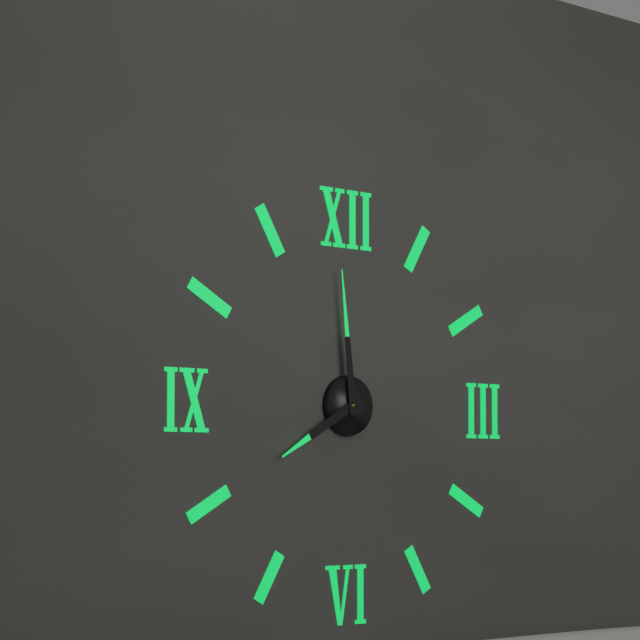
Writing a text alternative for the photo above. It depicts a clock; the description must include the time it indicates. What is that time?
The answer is 7:59
